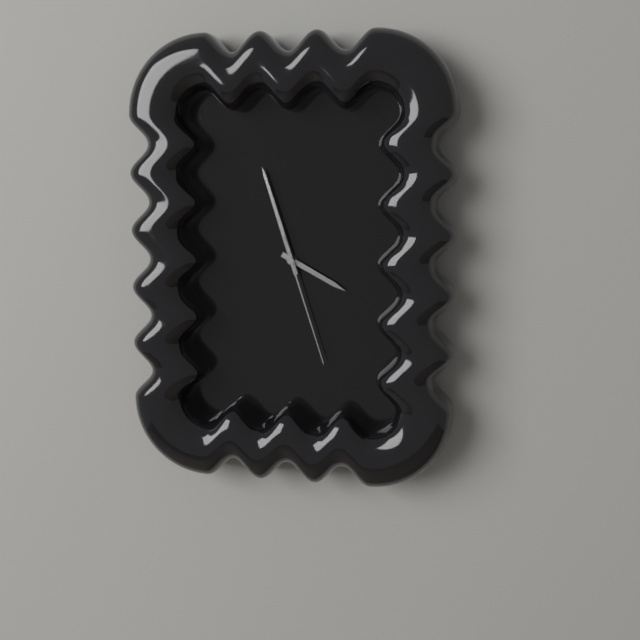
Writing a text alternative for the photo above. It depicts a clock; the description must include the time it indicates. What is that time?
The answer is 3:57:27
